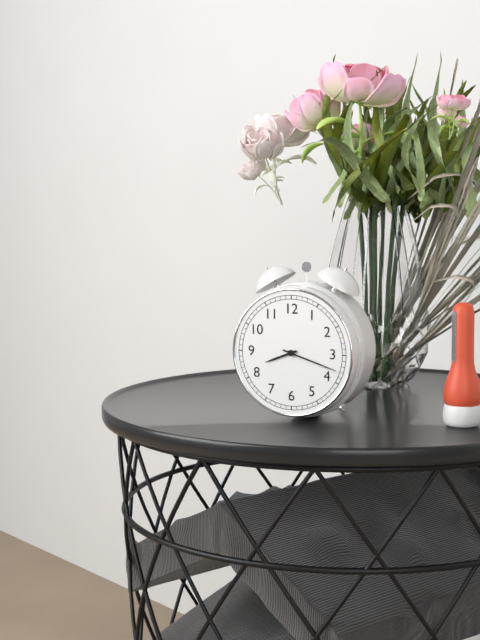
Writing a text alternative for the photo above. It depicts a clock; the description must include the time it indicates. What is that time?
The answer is 8:18
